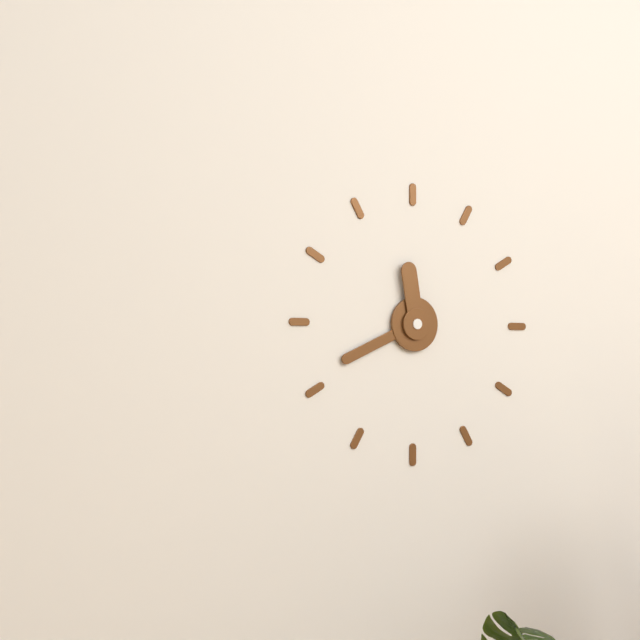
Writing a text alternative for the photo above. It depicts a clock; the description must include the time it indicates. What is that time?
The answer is 11:41
